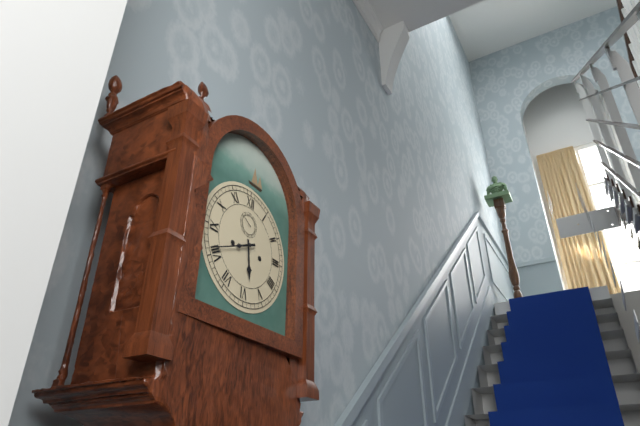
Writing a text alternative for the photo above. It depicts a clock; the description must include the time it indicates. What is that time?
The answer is 5:41
